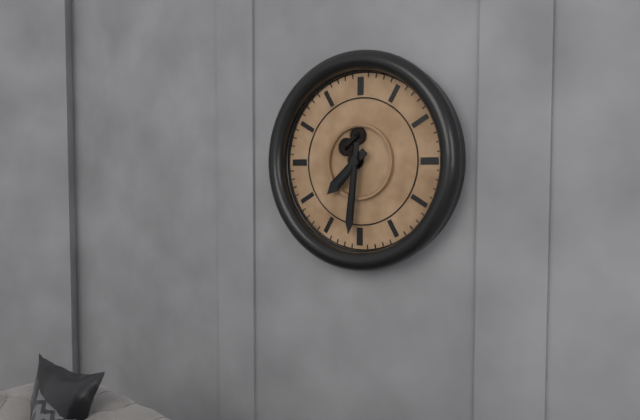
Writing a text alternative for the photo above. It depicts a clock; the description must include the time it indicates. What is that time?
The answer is 7:31
